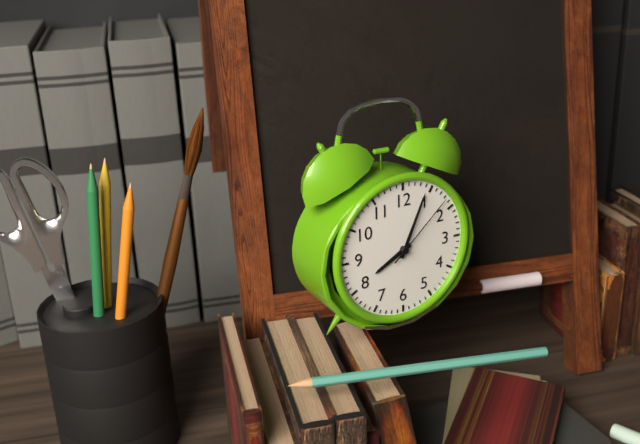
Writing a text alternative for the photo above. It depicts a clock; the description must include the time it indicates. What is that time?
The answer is 8:04:08
